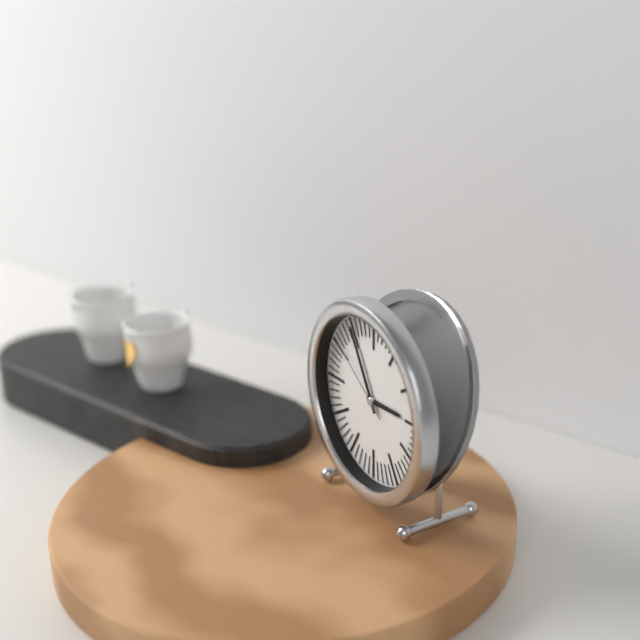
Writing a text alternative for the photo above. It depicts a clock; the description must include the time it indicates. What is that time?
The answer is 2:55:51
